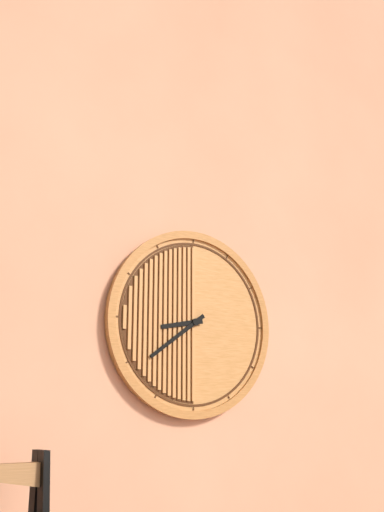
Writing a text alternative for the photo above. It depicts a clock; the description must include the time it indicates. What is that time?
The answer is 8:39
